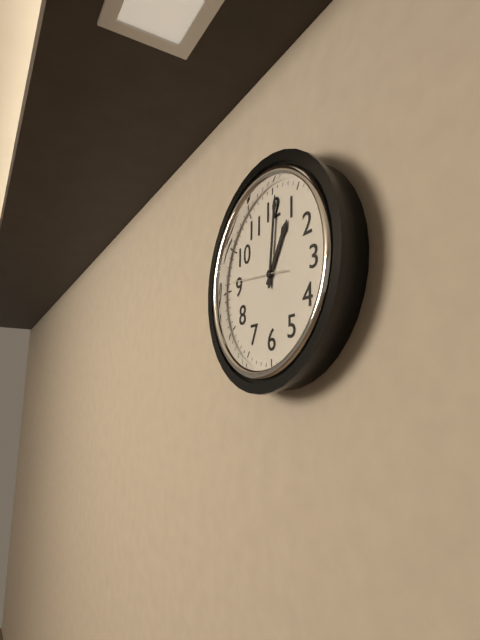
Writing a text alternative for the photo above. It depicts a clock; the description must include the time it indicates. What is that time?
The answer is 1:01:46
